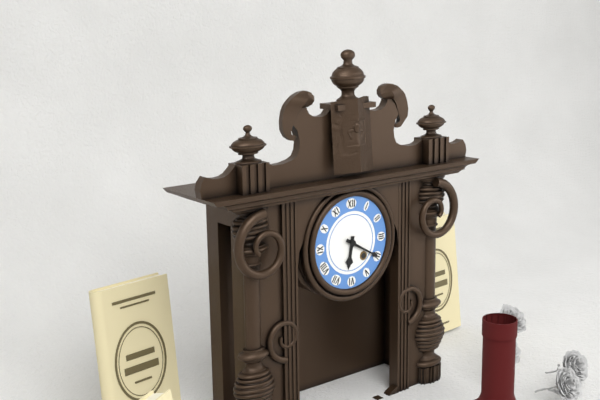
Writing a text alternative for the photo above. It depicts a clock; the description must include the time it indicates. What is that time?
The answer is 6:20
